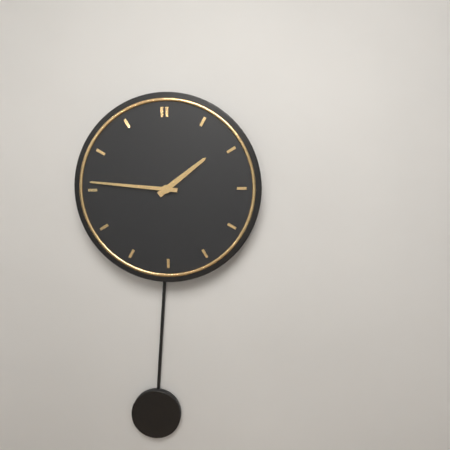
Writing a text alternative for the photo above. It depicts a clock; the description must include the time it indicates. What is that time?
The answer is 1:46
